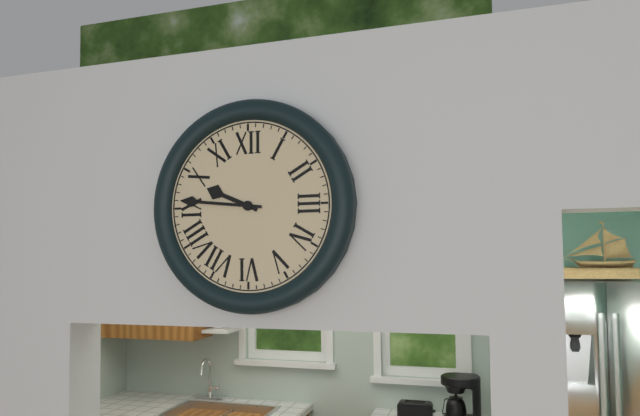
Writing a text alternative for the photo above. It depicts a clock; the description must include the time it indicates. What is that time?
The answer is 9:46
